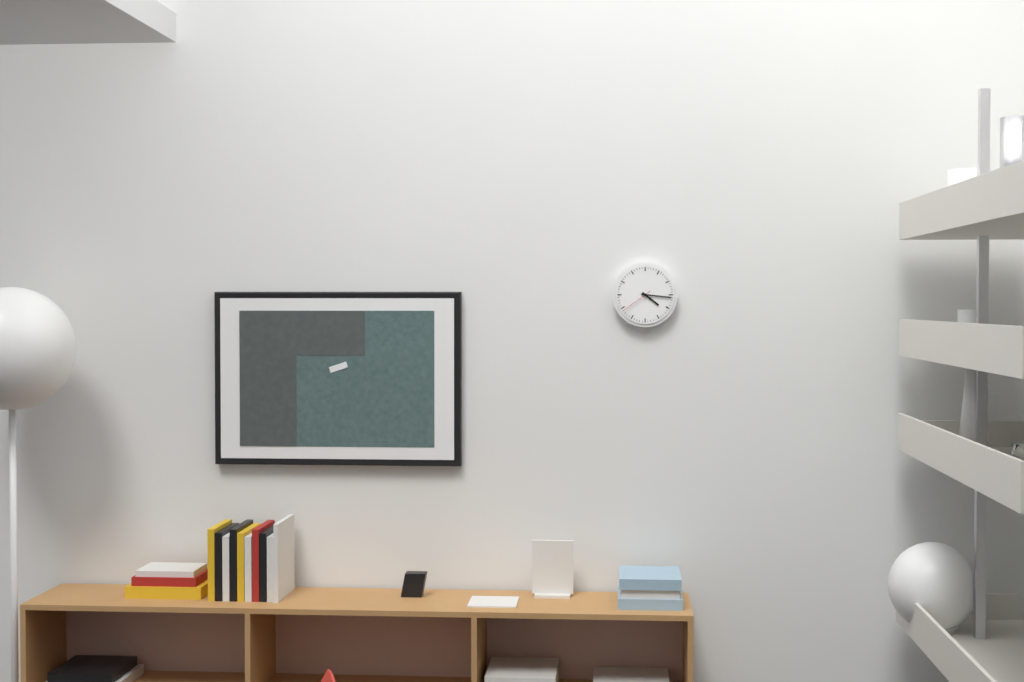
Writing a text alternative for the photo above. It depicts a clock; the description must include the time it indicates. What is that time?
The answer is 4:16
